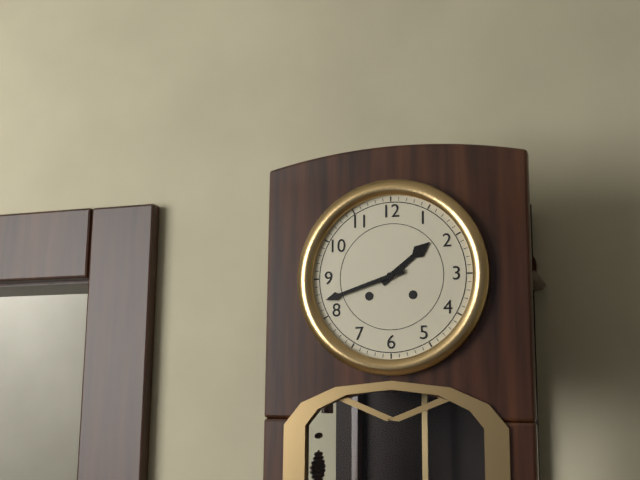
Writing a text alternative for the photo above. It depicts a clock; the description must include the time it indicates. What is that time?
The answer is 1:42
